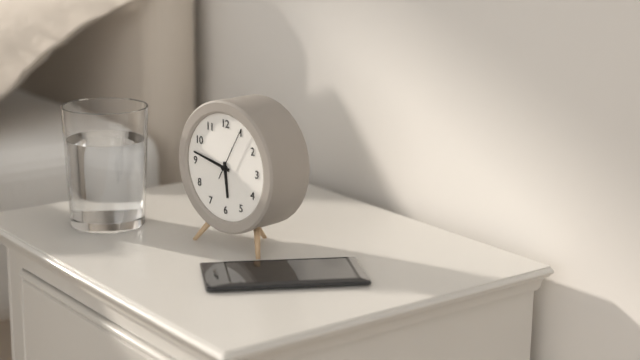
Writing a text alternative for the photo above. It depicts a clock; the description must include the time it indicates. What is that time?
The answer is 5:47
